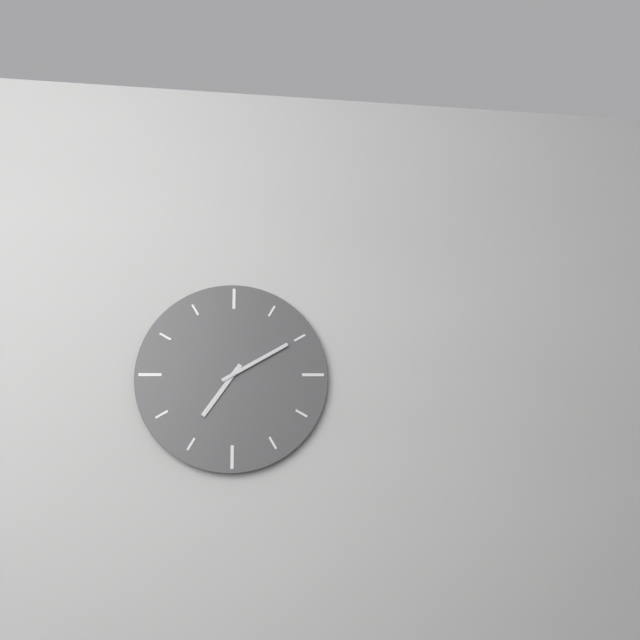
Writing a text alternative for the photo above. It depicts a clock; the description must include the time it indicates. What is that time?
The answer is 7:10
